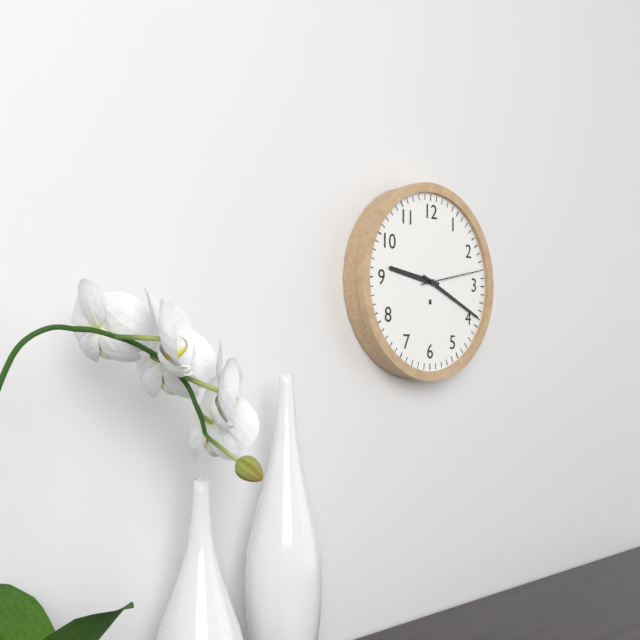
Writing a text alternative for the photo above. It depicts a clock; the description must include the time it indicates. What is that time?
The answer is 9:19:13
